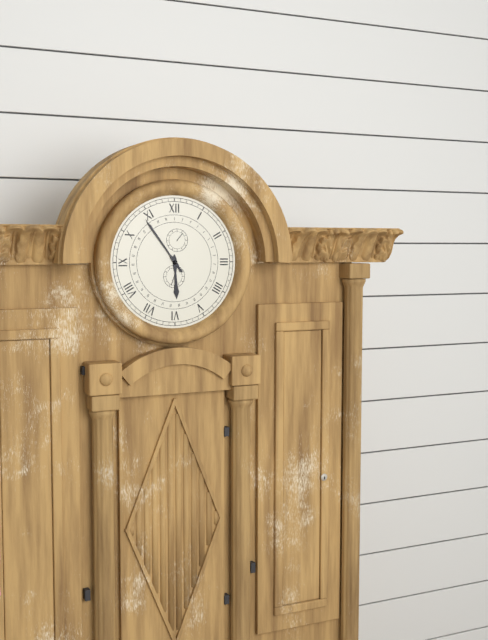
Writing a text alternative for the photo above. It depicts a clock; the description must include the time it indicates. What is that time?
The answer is 5:54
